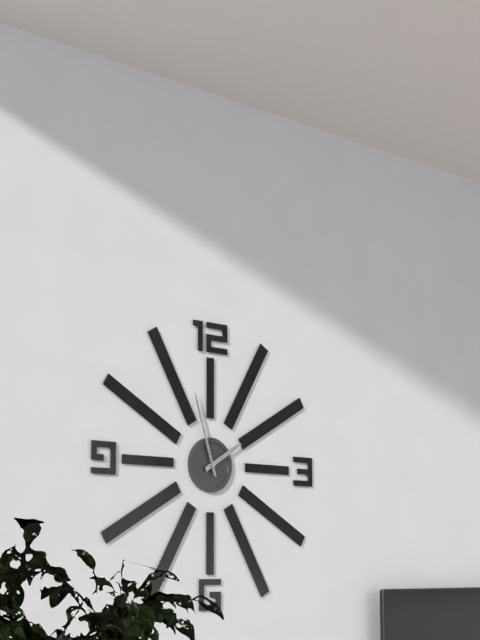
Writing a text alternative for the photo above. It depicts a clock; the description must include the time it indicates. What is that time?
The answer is 1:57:57
